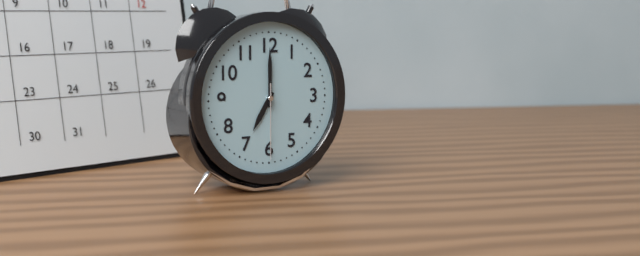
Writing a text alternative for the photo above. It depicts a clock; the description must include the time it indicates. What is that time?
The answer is 7:00:30
